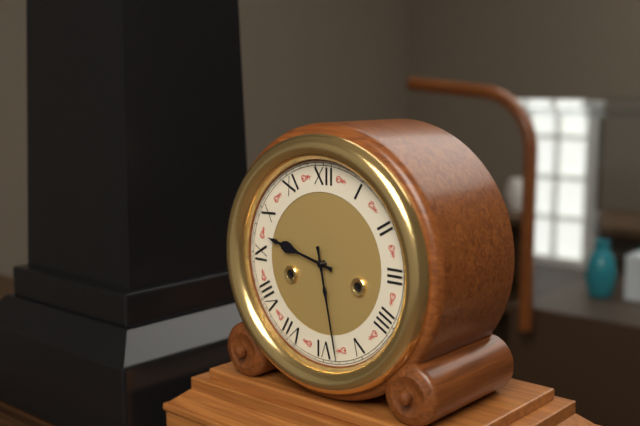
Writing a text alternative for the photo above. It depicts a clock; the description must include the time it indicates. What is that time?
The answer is 9:28
